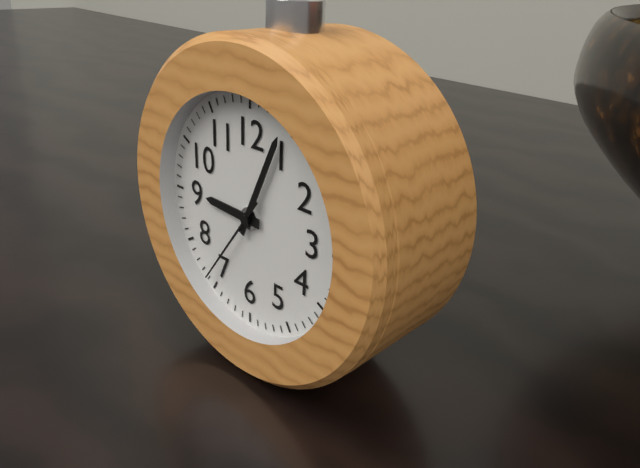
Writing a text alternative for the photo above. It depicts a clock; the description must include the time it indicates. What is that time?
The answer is 9:04:36
